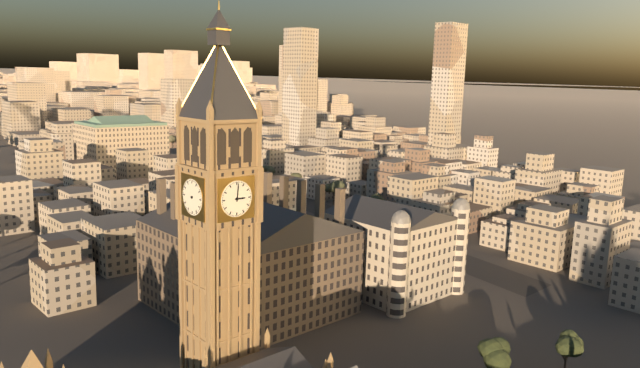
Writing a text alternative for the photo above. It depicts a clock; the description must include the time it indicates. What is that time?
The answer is 3:01
